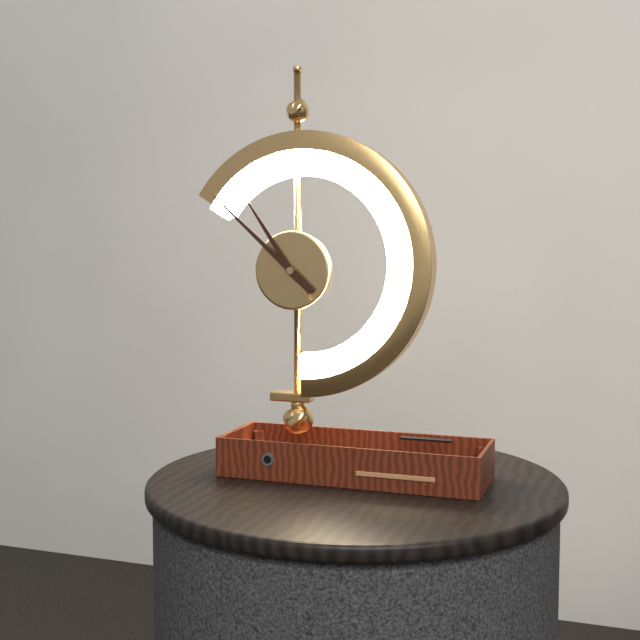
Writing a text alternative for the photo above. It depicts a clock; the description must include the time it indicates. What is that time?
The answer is 10:52
